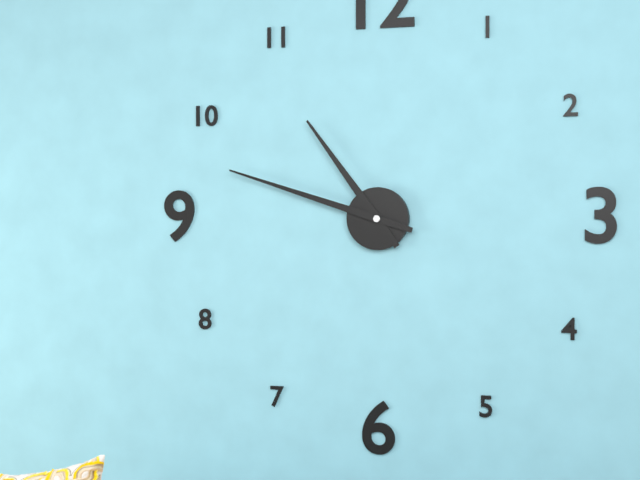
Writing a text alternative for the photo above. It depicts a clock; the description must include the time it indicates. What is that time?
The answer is 10:48
